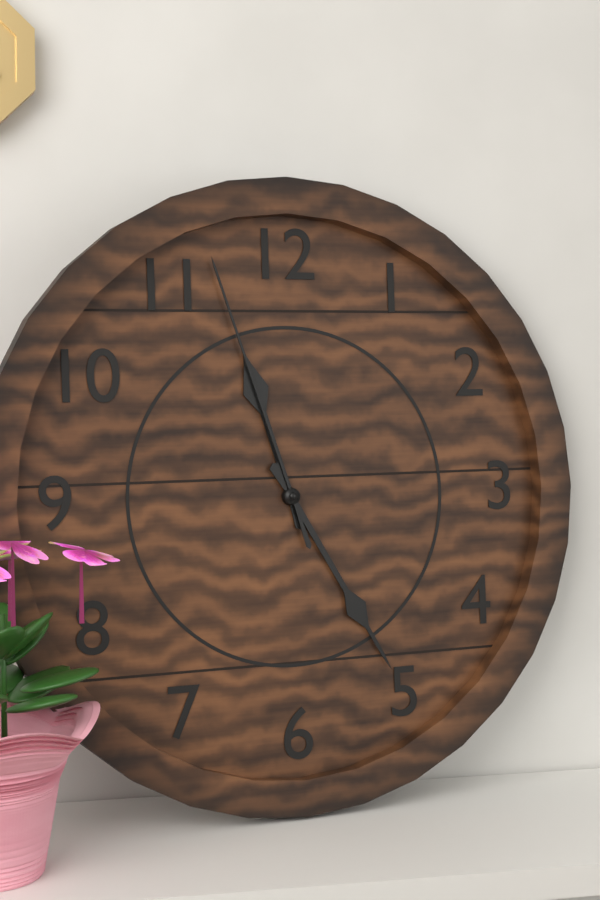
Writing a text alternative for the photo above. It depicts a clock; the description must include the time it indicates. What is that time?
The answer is 11:25:57
